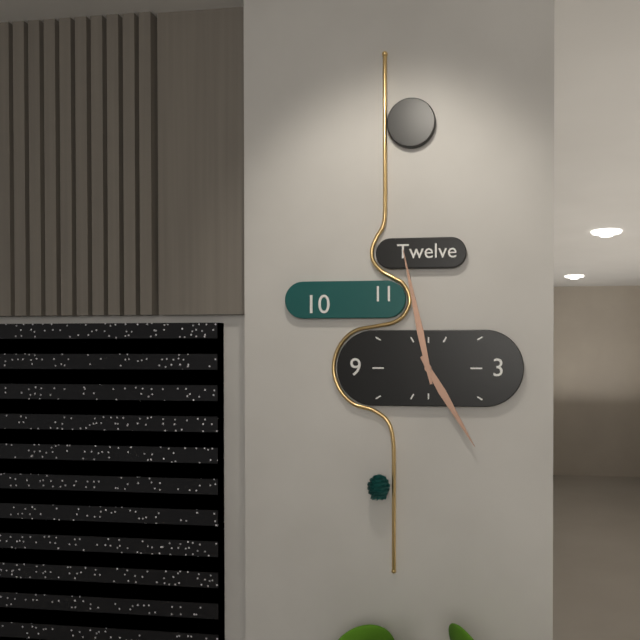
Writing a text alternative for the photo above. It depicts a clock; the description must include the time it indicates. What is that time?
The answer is 4:58
